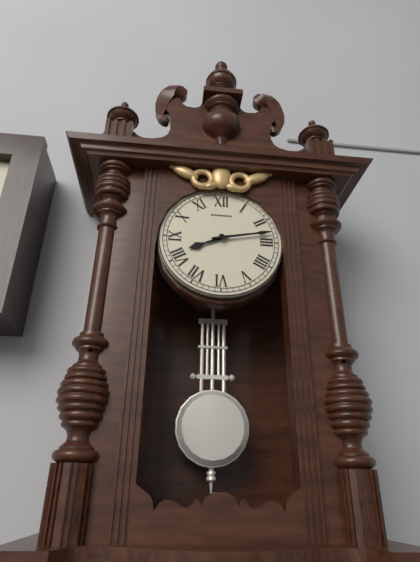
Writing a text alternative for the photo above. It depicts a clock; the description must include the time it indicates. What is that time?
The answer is 8:13
